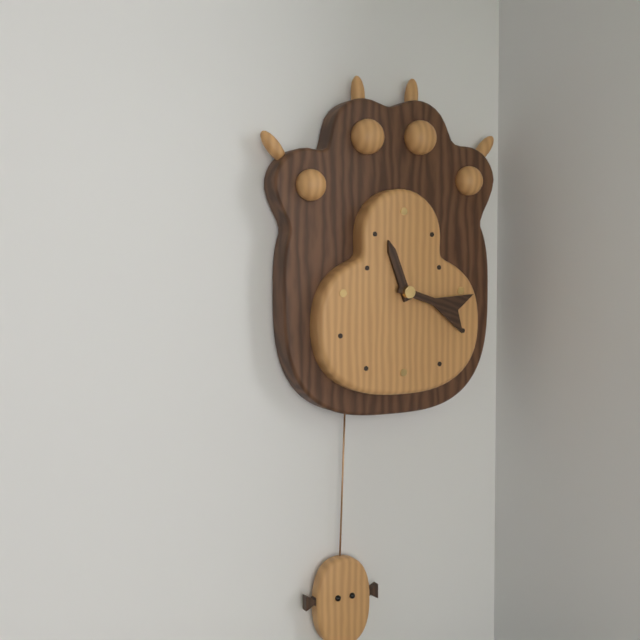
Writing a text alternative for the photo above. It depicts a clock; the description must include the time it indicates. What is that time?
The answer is 11:18
